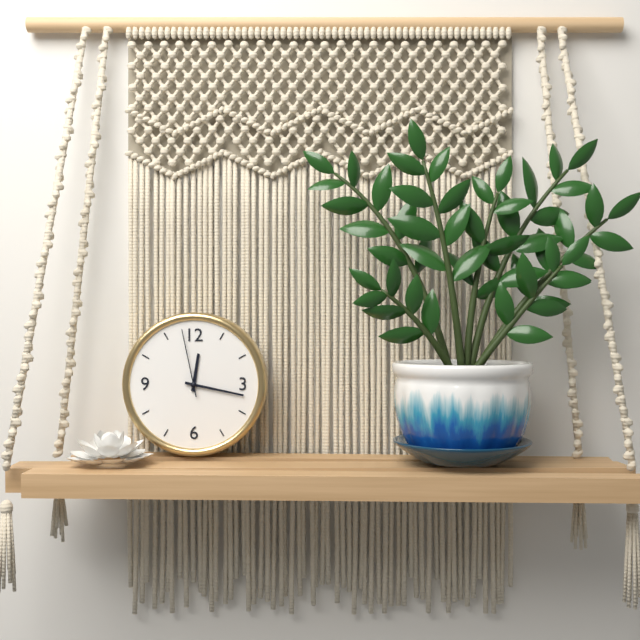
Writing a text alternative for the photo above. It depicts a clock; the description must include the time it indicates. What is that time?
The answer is 12:17:58
